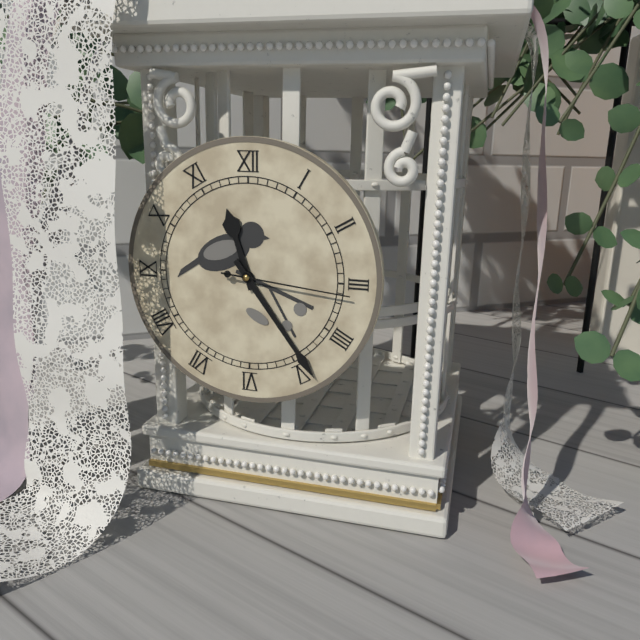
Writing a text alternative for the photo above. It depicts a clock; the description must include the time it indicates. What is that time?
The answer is 11:24:16
